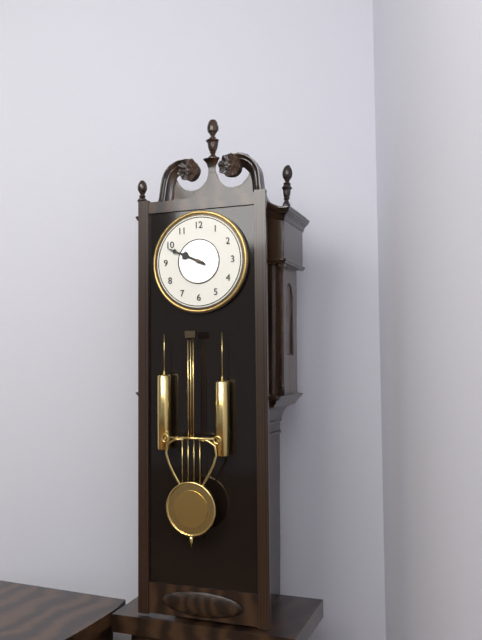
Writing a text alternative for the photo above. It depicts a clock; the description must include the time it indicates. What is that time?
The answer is 9:49
